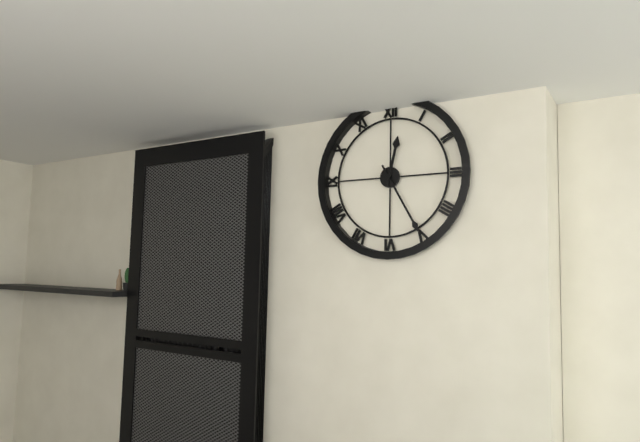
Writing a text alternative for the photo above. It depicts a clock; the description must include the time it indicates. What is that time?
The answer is 12:25
